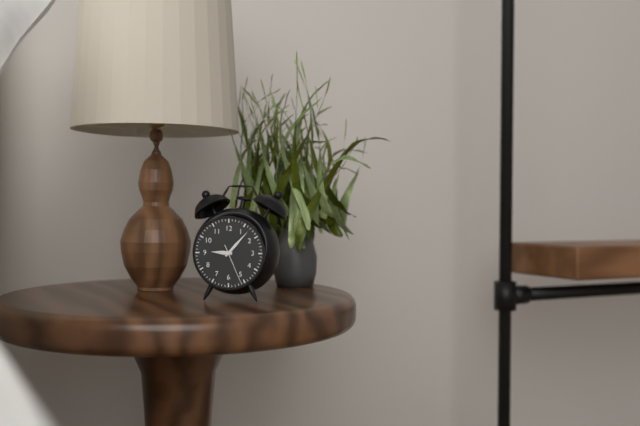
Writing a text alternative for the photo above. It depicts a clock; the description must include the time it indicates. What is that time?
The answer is 9:07
